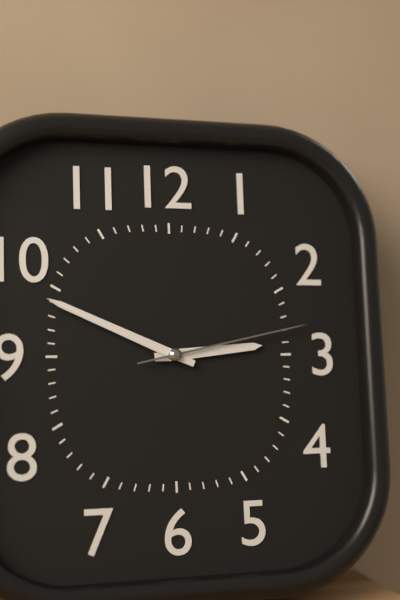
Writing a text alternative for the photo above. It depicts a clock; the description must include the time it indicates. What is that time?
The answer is 2:49:13
